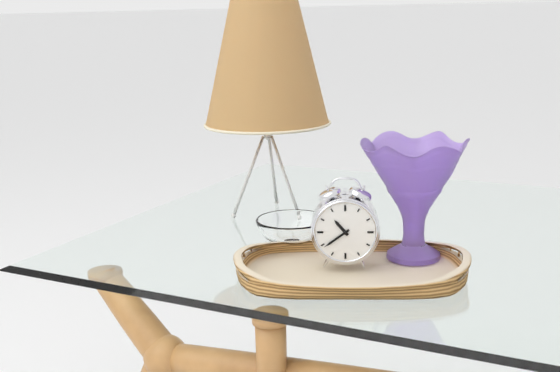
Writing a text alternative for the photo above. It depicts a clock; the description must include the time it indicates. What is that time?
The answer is 10:39
